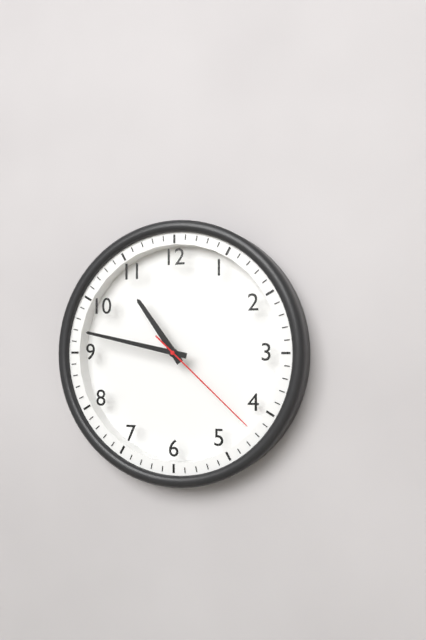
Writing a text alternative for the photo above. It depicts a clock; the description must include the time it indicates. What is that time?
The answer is 10:47:22
